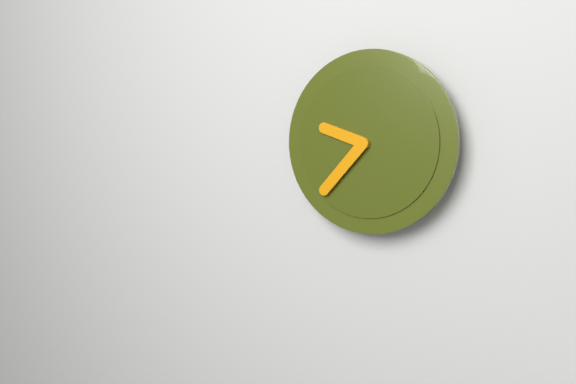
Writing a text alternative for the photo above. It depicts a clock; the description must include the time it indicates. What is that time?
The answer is 9:37
